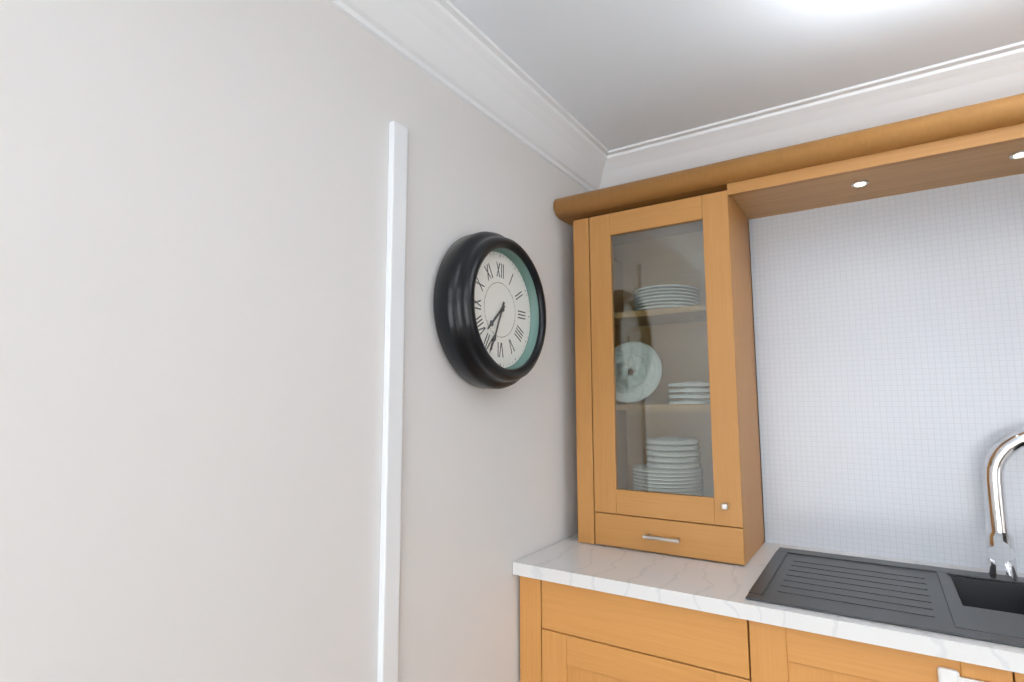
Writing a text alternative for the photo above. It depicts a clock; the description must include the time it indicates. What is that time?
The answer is 7:34
